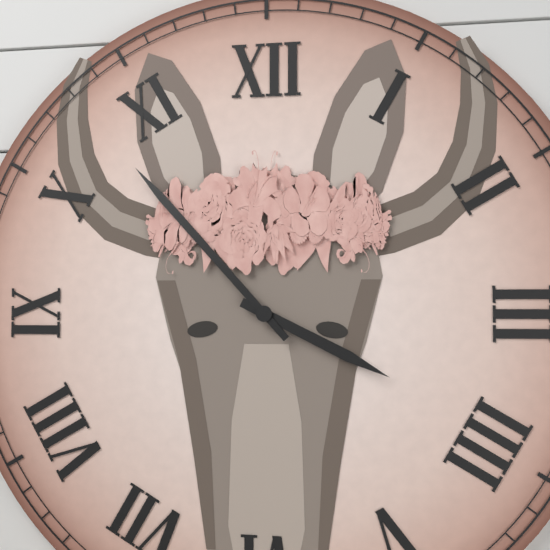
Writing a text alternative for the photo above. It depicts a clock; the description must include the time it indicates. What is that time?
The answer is 3:53
